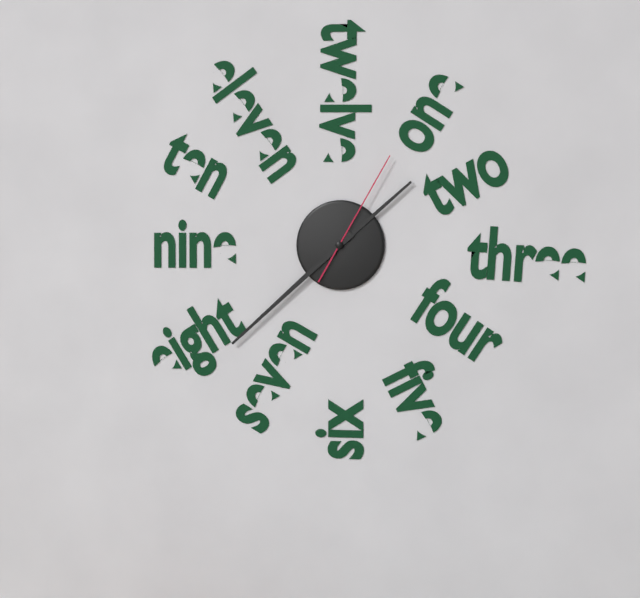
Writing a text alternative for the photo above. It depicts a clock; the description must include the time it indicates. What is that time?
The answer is 1:38:05
